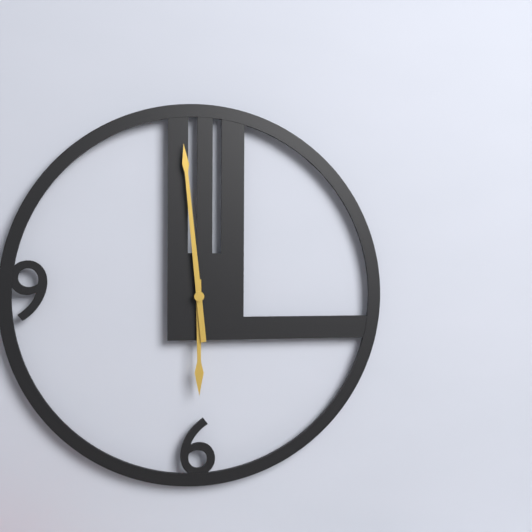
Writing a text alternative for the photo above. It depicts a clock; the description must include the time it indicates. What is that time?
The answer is 5:59
